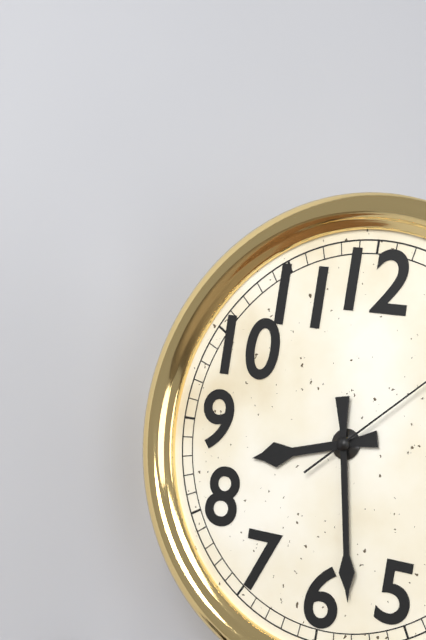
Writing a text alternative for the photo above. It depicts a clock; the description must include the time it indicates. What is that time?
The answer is 8:28
